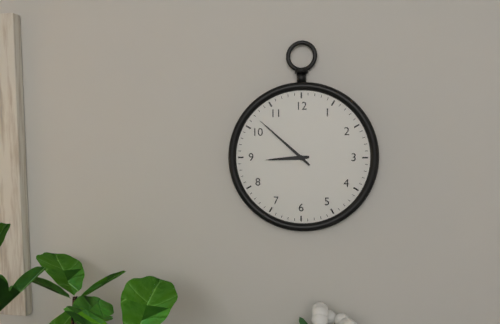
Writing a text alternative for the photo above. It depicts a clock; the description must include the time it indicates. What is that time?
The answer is 8:52
